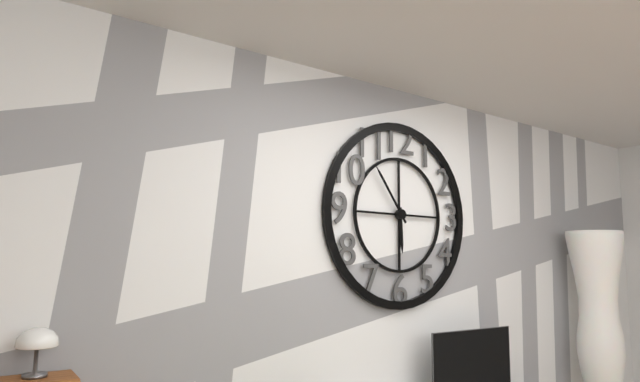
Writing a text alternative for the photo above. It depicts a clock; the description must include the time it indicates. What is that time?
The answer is 5:54
